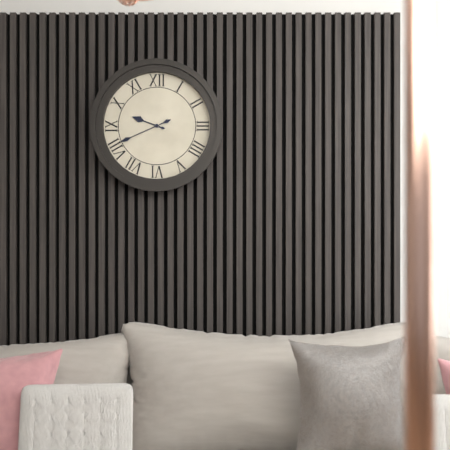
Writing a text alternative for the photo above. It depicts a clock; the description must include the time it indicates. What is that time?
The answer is 9:41
